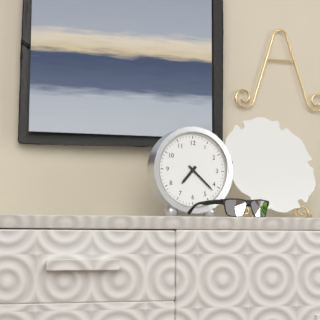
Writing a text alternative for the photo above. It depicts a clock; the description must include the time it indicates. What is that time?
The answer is 7:22
